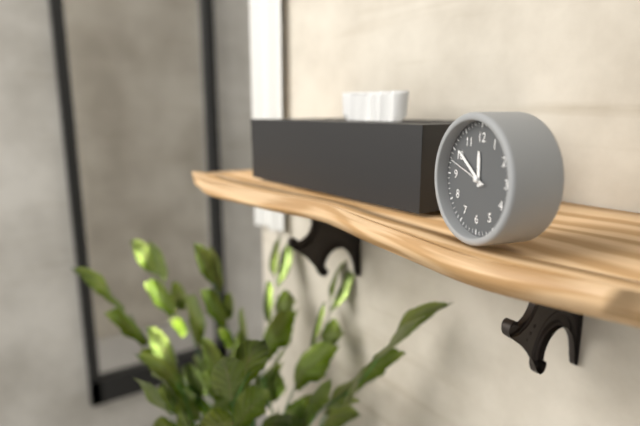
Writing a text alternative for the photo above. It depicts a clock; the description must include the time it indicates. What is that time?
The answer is 11:51
